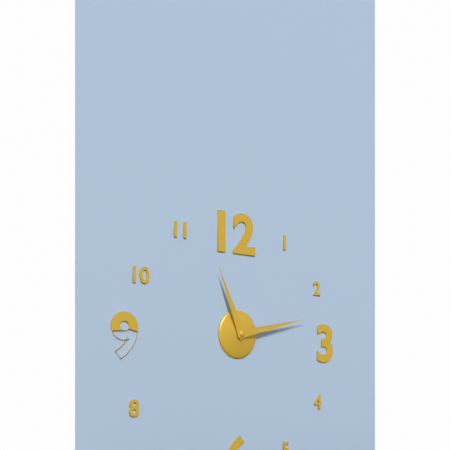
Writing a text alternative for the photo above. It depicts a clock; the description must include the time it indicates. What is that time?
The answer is 11:13
